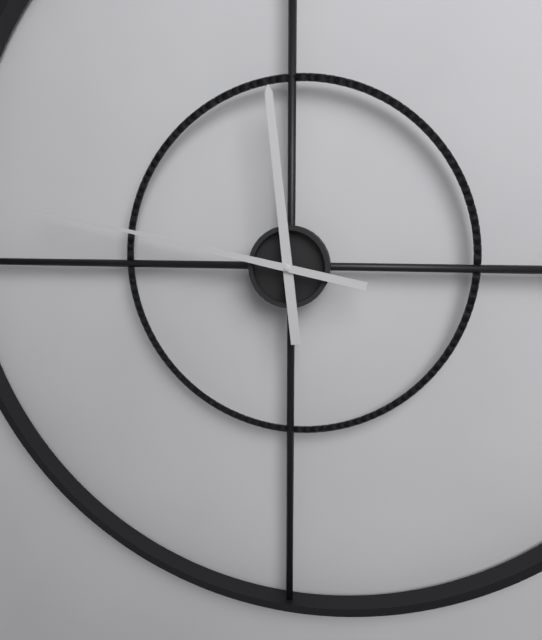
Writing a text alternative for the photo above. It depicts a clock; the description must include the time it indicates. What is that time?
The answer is 11:47
